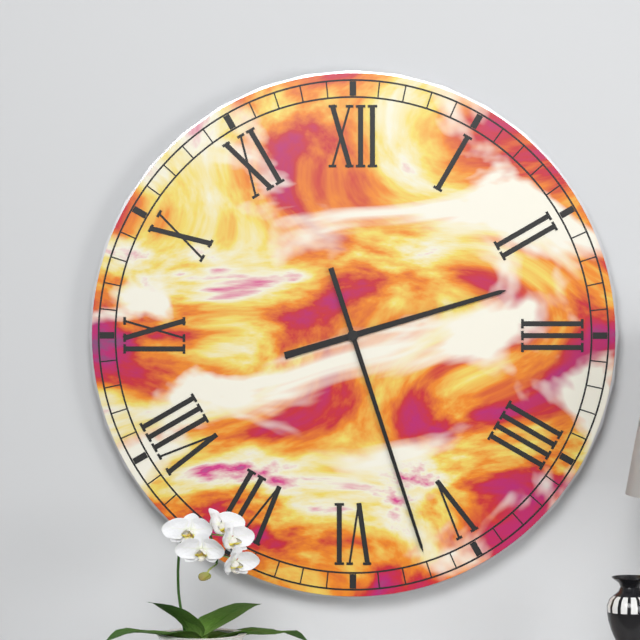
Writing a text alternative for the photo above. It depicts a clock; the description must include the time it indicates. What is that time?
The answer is 2:27
